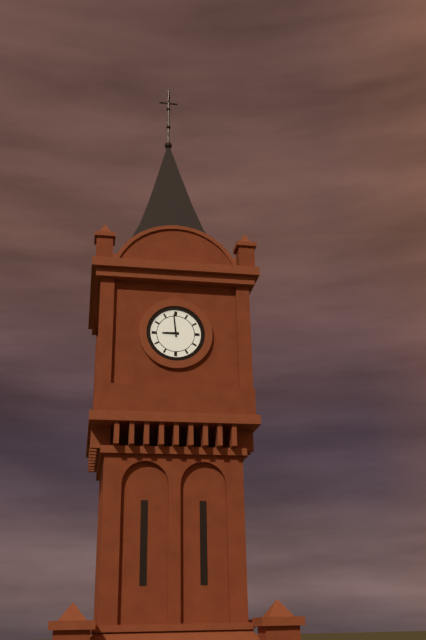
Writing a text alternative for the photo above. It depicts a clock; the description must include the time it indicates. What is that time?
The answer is 8:59
